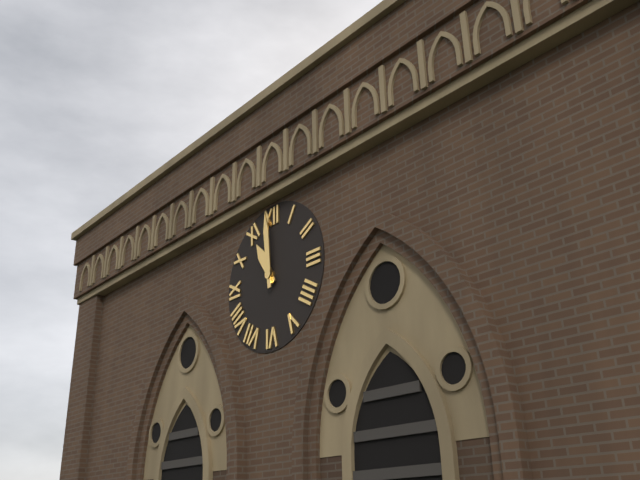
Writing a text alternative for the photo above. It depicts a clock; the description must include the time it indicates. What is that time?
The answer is 10:59
